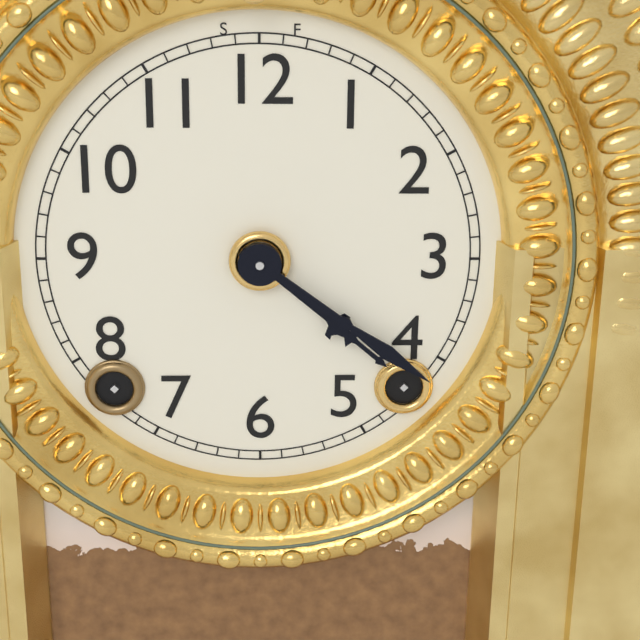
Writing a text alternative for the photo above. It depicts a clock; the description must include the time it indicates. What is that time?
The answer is 4:21
